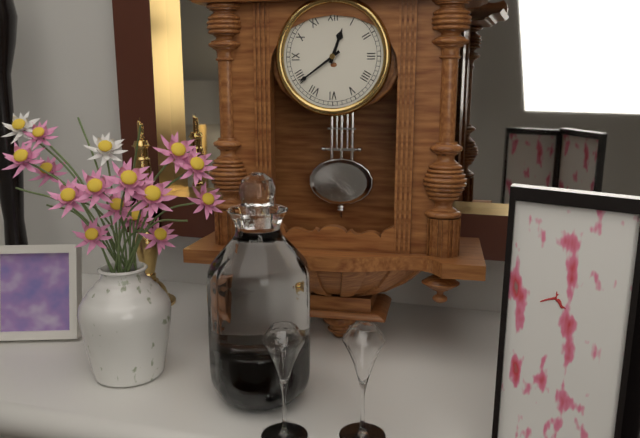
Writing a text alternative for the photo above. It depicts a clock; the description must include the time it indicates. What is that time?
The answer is 12:39
